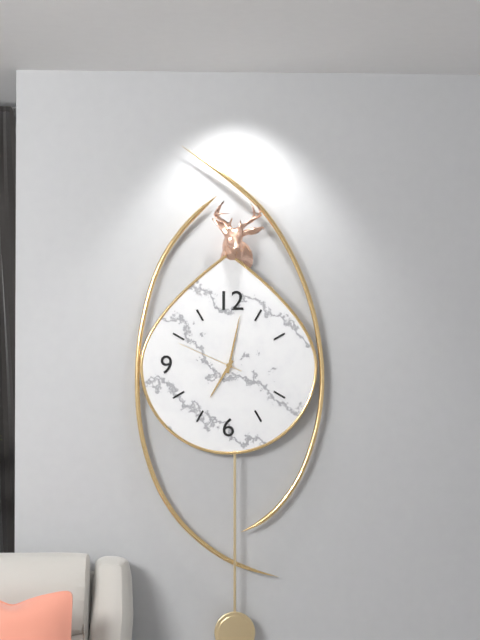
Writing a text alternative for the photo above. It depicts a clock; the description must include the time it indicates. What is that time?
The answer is 7:02:49
